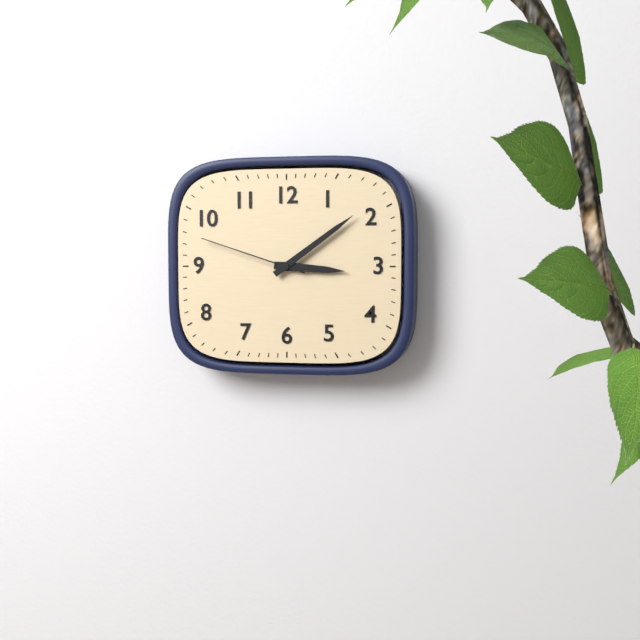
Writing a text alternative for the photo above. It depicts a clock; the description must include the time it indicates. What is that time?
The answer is 3:09:48
